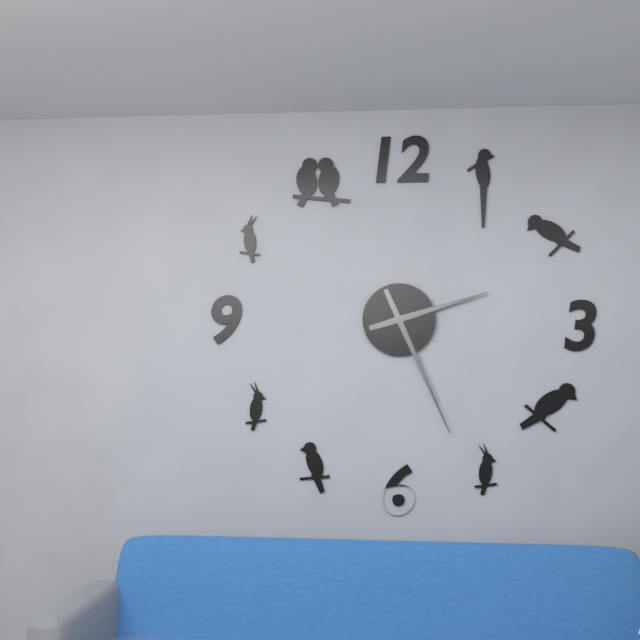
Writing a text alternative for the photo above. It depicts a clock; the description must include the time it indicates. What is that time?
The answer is 2:26
